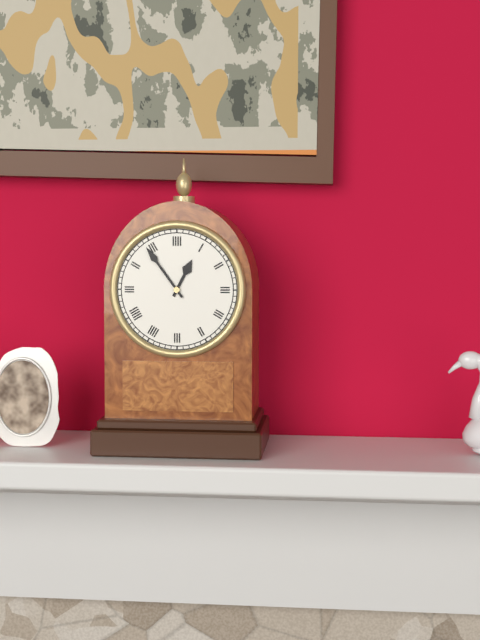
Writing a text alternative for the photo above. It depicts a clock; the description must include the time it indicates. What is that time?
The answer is 12:54
